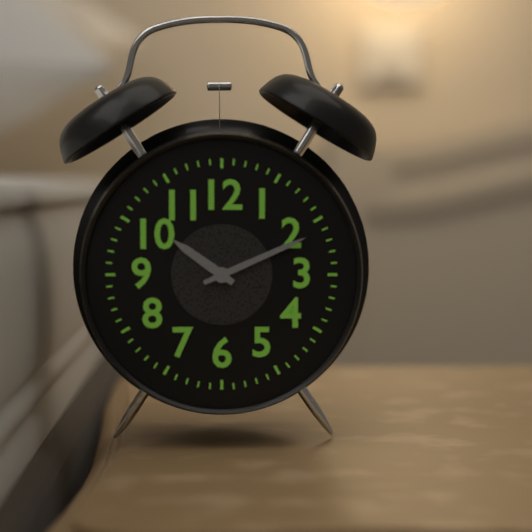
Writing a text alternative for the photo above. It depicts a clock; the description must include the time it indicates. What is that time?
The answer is 10:11
